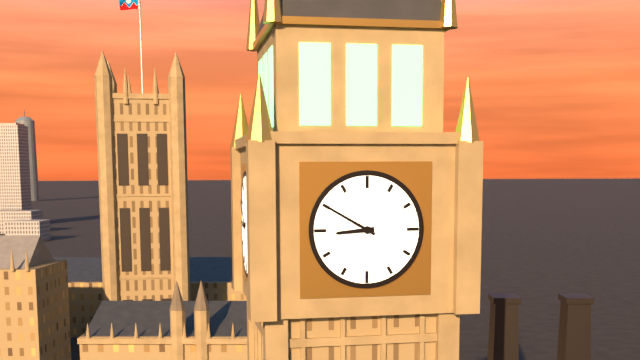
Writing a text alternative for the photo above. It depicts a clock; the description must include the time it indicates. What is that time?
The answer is 8:50
